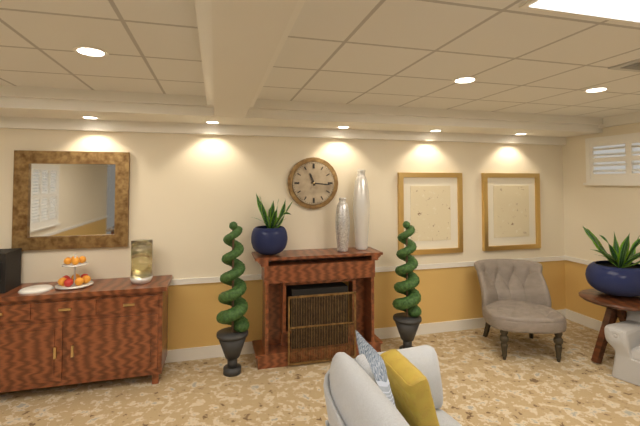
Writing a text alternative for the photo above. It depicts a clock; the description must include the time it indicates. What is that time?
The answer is 11:16
